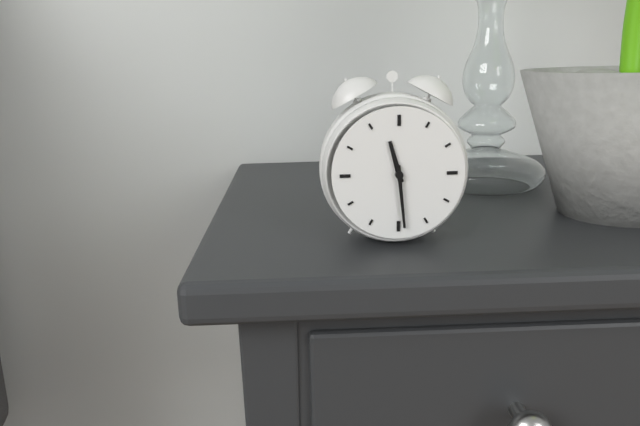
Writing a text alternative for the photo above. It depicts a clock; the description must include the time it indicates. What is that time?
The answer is 11:29
